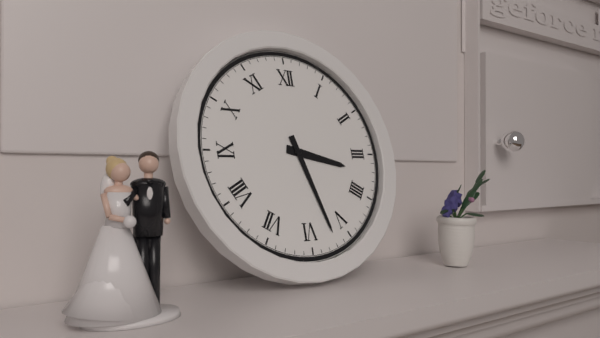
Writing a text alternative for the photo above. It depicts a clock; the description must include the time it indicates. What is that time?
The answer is 3:27
